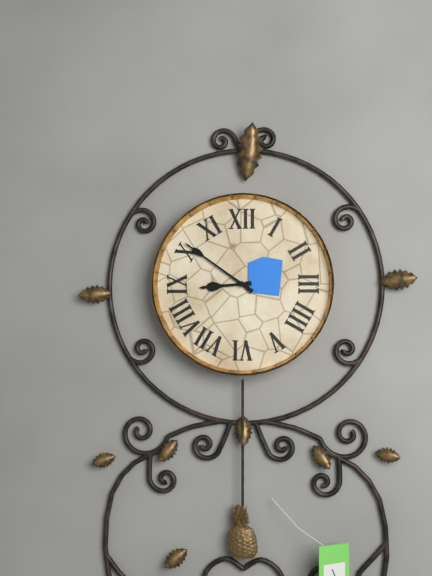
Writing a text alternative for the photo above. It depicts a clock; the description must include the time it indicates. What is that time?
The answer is 8:51
